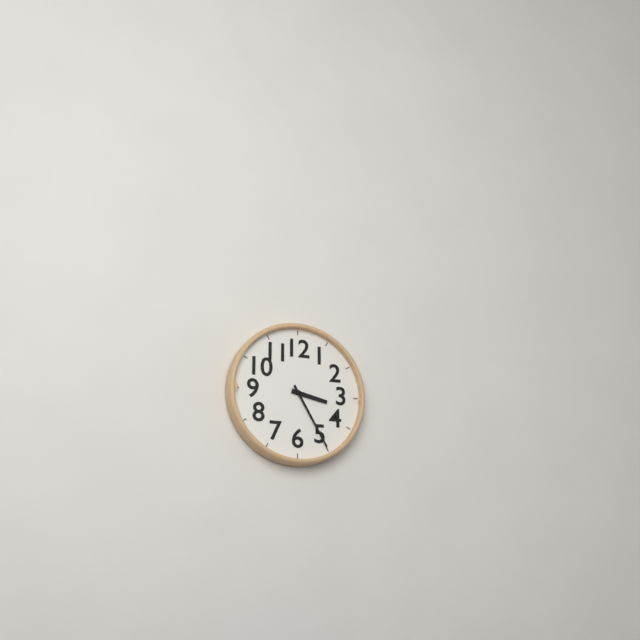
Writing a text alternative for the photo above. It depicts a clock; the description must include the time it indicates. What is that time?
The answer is 3:25
